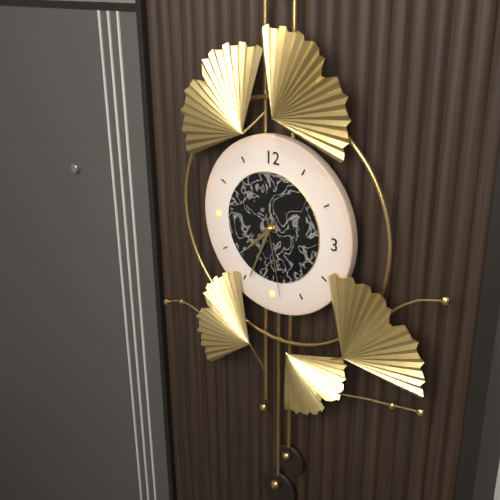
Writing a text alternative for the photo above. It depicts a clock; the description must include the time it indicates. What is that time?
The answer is 7:34:28
